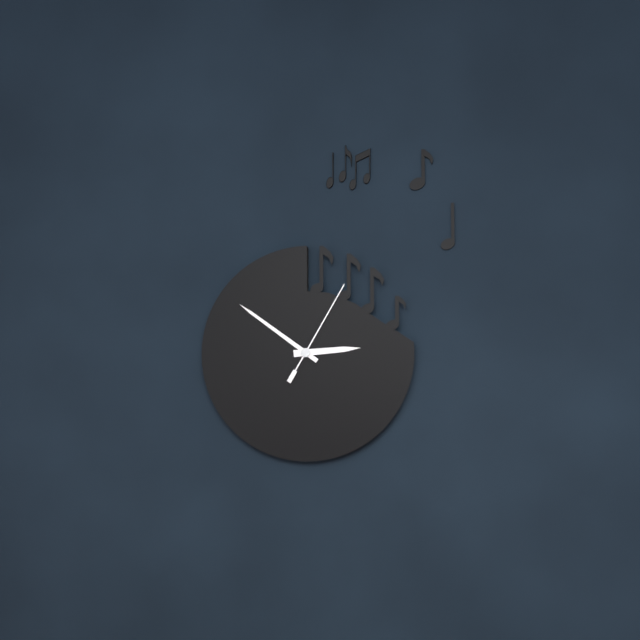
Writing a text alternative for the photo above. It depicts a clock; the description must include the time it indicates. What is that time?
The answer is 2:51:05
